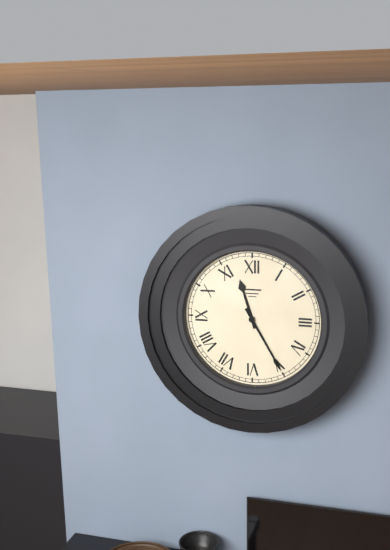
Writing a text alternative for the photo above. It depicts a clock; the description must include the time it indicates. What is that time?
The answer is 11:25
